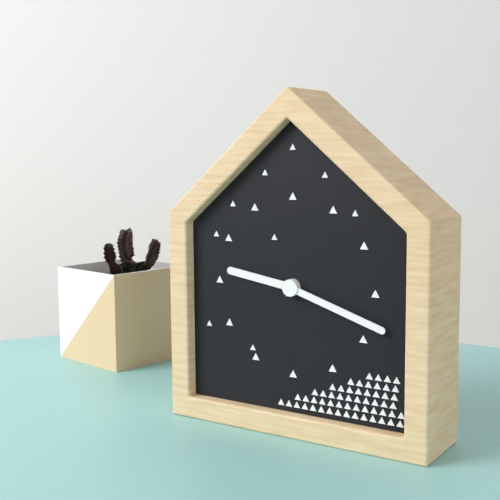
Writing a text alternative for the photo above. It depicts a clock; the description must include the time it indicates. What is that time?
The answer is 9:18
